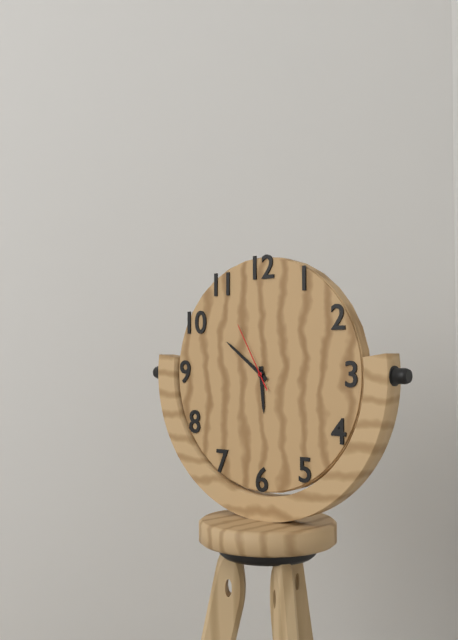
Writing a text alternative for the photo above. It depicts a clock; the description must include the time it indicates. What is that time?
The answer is 5:51:55
